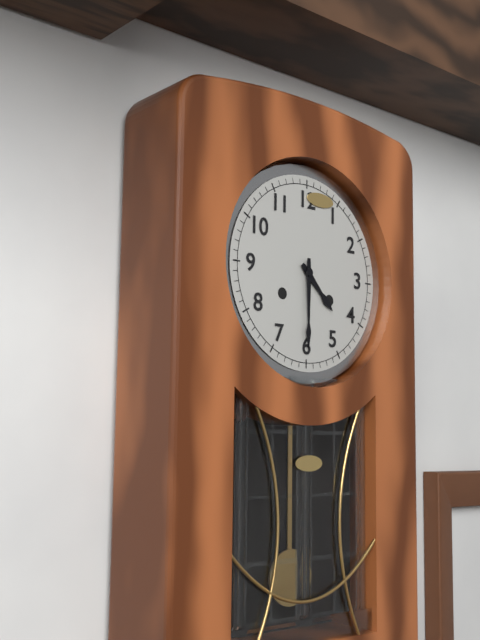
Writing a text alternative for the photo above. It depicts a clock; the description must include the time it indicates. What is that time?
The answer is 4:30
